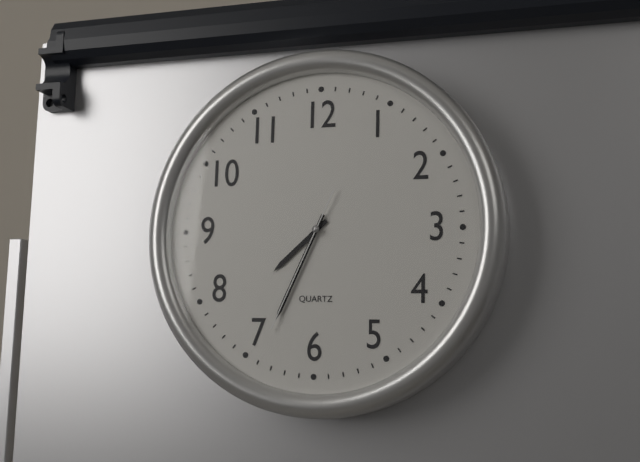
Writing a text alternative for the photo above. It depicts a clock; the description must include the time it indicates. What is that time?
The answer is 7:34:34
